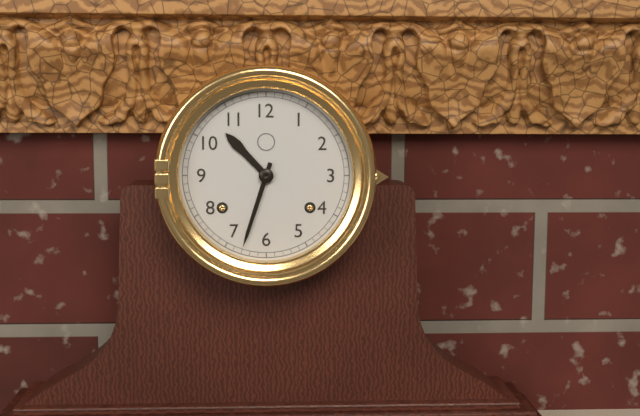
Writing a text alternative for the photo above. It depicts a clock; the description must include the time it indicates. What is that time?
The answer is 10:33
